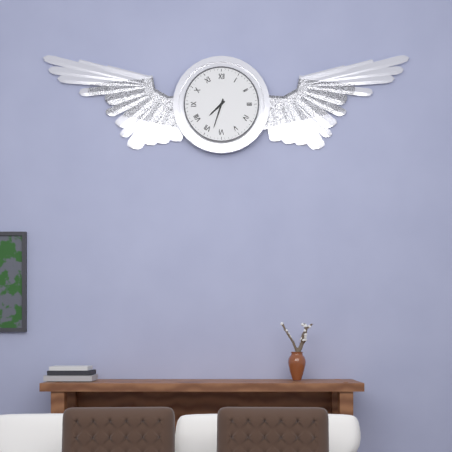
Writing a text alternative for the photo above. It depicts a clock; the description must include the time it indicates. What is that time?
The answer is 7:33
